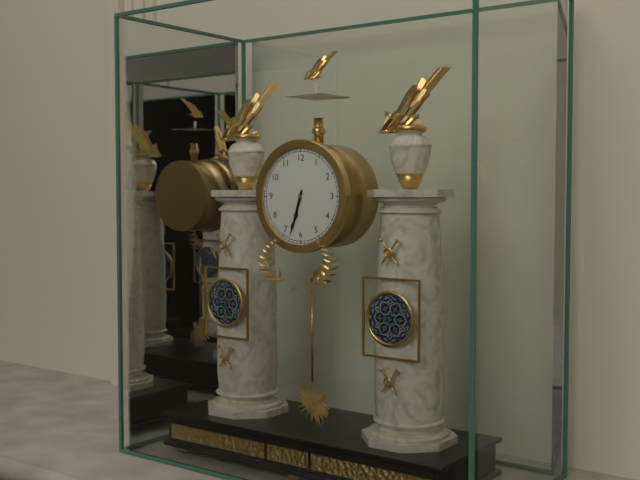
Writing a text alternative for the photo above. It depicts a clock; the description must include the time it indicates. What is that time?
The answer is 6:33
